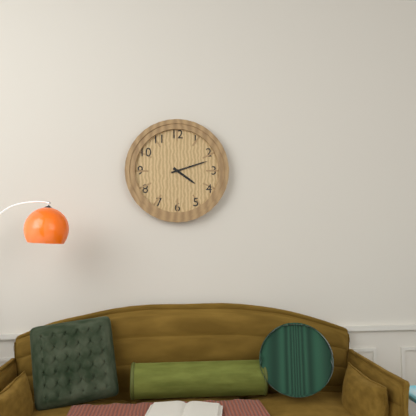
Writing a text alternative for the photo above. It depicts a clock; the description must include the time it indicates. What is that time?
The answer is 4:12
